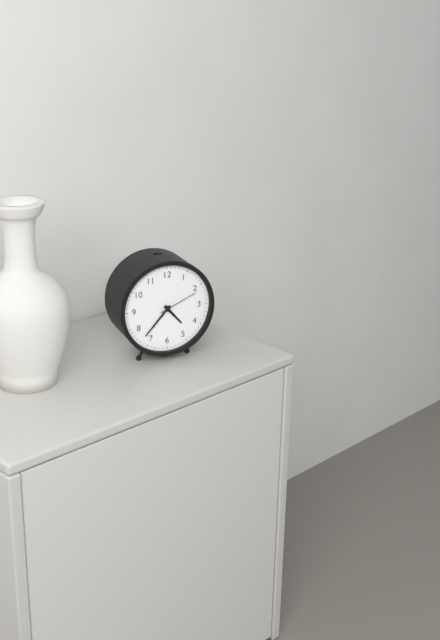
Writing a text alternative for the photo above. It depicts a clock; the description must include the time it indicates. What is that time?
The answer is 4:37
